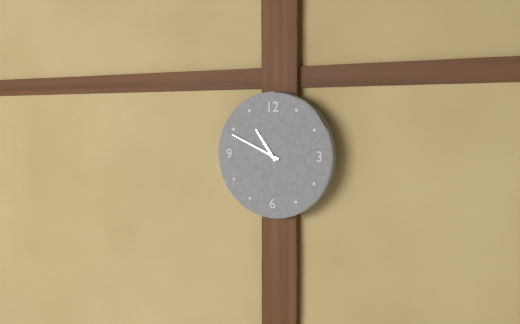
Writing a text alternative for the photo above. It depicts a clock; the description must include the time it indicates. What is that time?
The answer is 10:49
